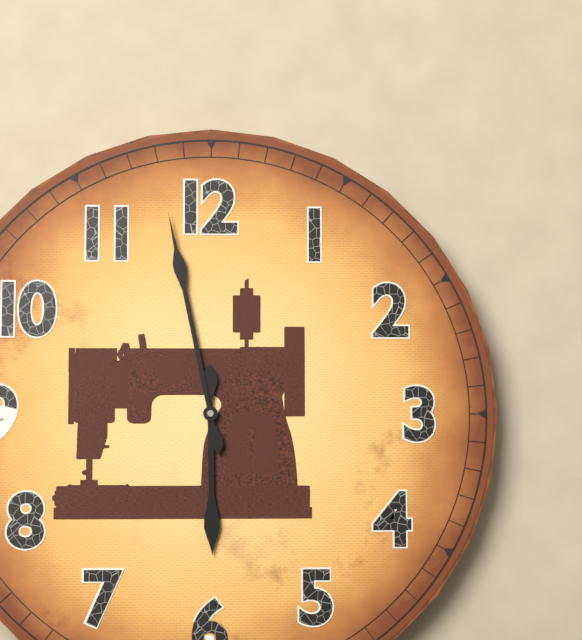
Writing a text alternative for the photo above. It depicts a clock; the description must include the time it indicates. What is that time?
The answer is 5:58
